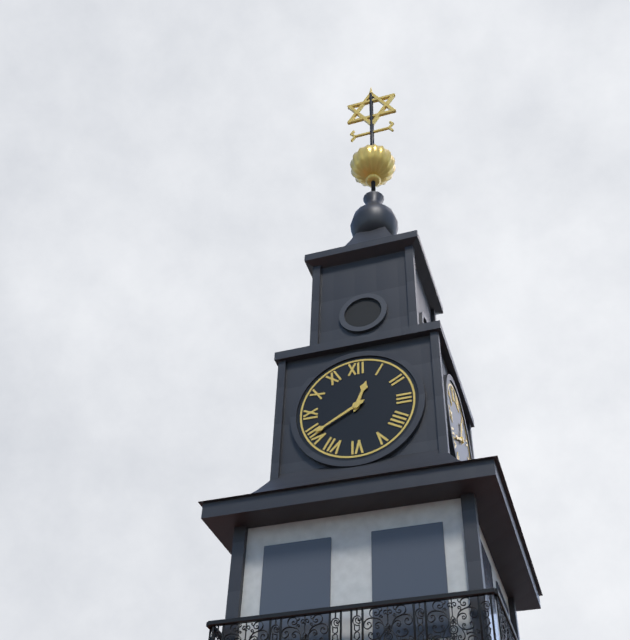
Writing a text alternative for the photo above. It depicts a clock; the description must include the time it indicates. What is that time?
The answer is 12:40
